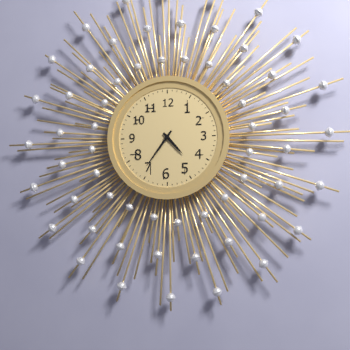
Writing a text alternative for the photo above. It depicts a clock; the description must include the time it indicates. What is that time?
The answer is 4:36
